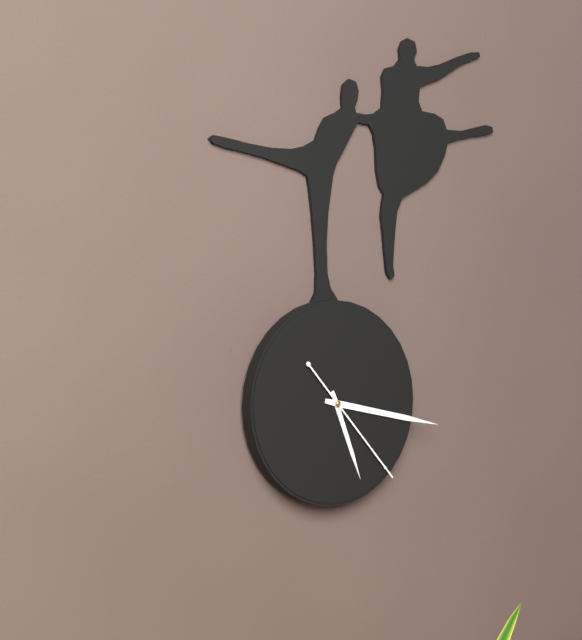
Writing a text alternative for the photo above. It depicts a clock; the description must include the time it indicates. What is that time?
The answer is 5:17:23
